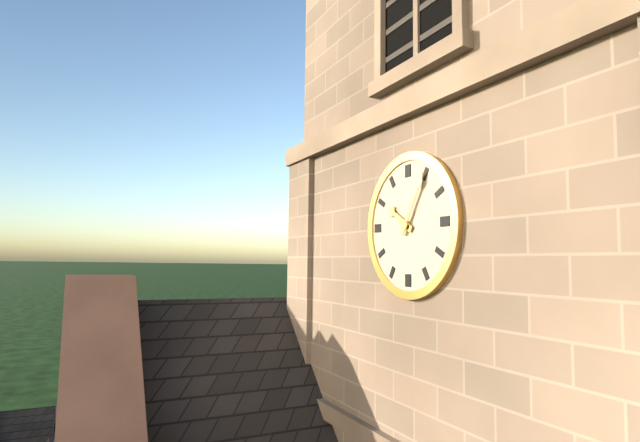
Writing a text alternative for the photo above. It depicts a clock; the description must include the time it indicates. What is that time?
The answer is 10:05
